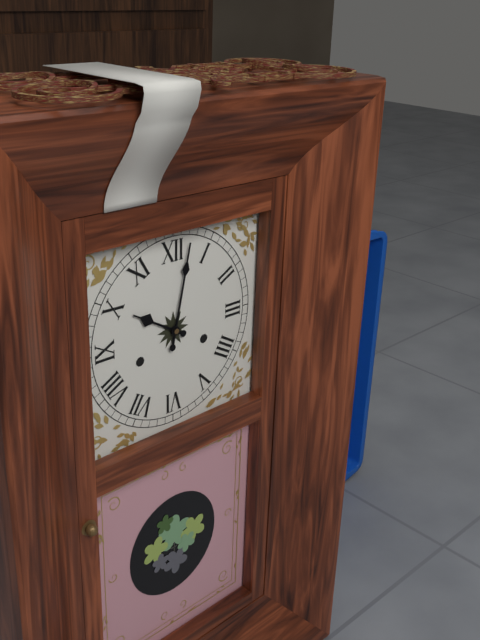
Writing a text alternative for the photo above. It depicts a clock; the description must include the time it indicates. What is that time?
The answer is 10:02
